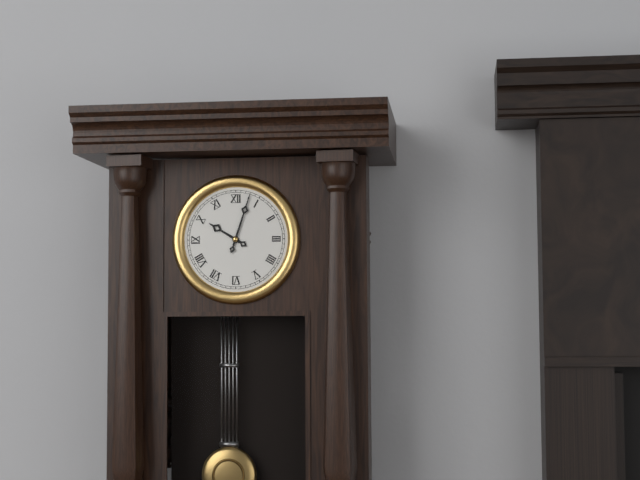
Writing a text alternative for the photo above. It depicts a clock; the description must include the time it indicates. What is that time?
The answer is 10:03
